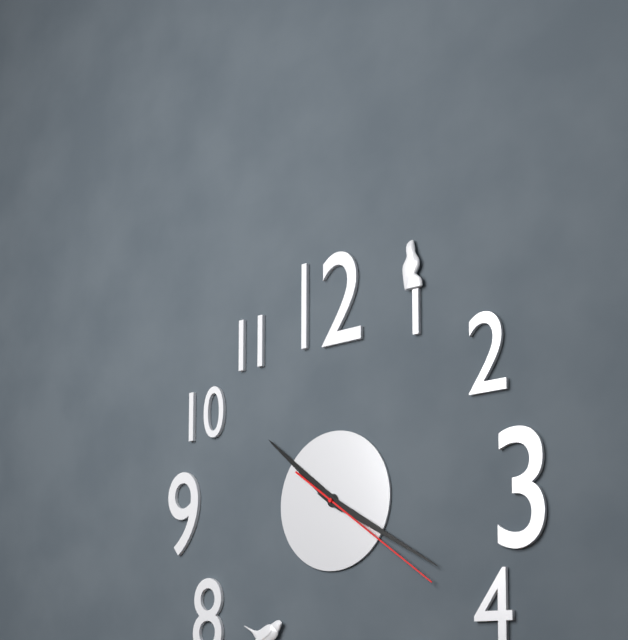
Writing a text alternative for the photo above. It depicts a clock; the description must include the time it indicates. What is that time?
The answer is 10:20:21
